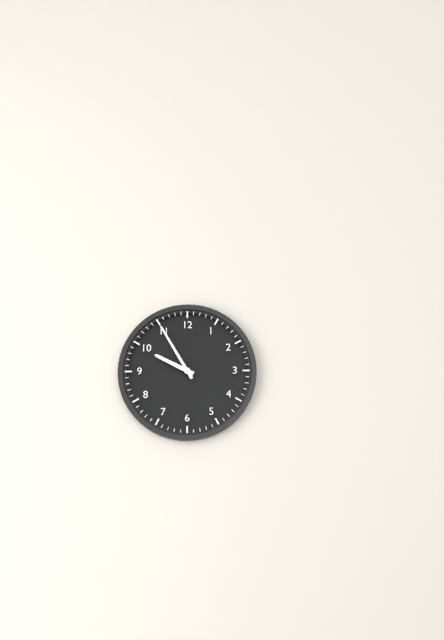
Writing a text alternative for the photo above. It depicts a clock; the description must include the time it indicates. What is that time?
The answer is 9:55
